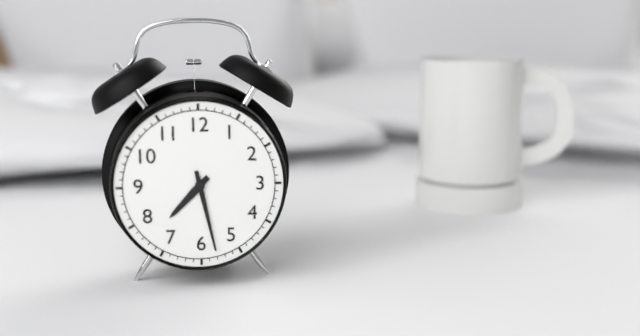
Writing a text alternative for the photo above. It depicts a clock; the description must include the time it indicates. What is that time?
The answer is 7:28
